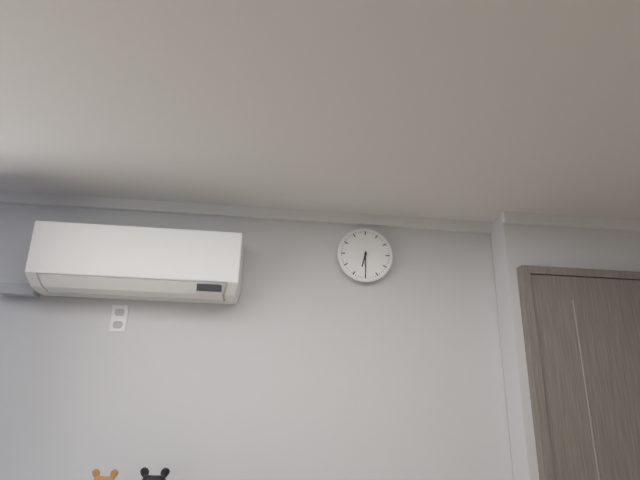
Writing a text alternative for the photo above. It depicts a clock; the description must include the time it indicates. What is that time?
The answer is 6:30
